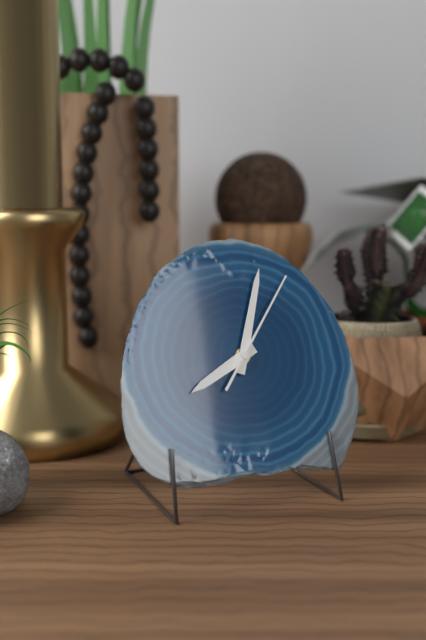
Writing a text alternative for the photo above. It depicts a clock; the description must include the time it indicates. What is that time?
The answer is 8:03:06
